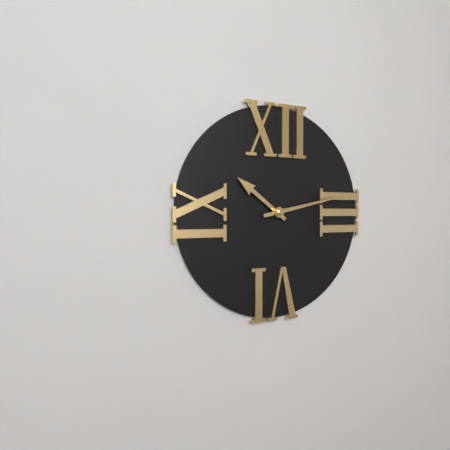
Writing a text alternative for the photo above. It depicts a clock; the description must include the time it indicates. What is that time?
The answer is 10:13
